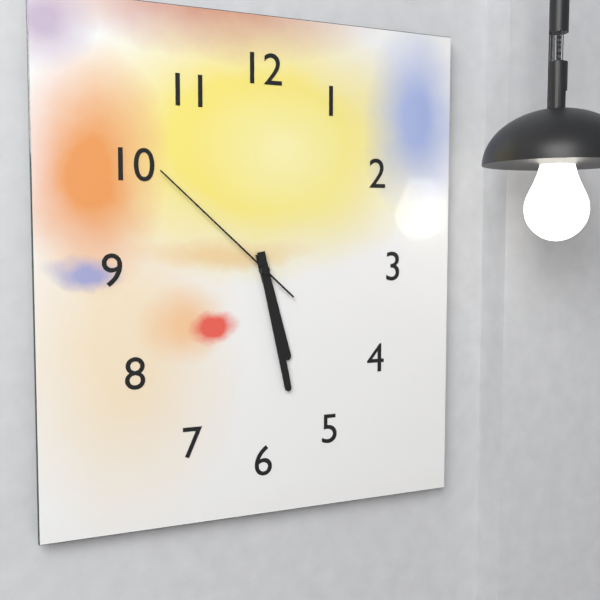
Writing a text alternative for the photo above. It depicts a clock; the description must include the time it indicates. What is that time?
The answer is 5:28:52
